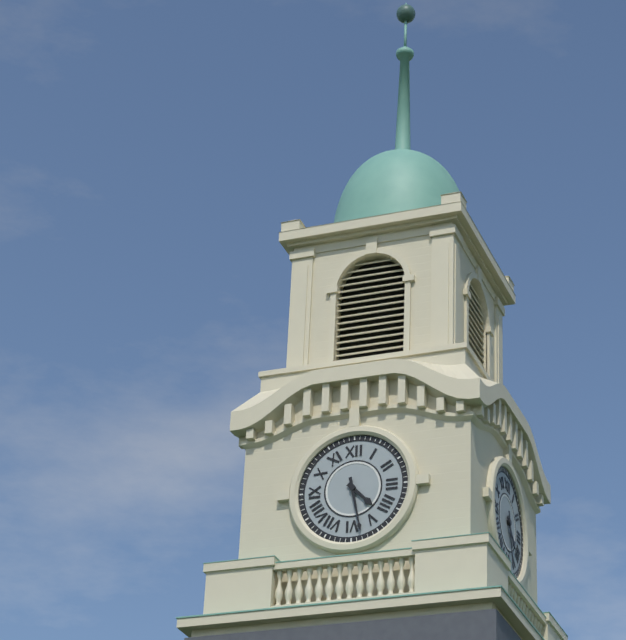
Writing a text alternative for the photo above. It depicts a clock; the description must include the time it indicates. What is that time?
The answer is 4:28
